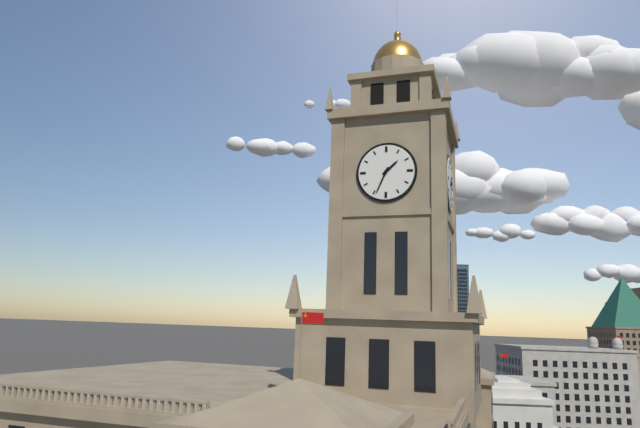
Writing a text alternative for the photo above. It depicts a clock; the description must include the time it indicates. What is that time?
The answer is 1:34
